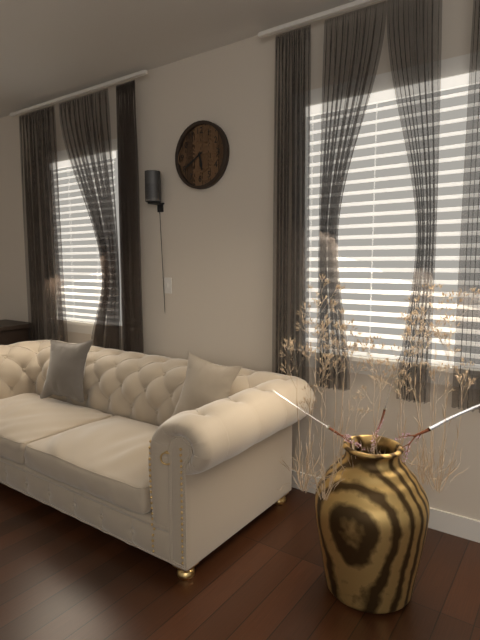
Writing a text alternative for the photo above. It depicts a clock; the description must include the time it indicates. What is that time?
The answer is 5:40
